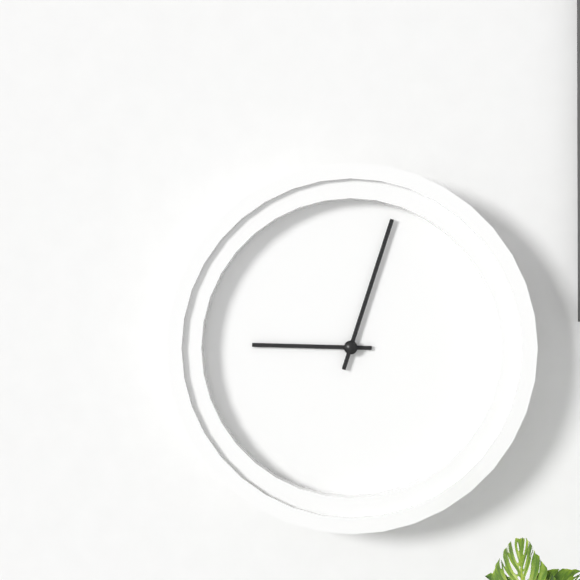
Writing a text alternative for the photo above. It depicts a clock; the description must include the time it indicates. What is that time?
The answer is 9:03
